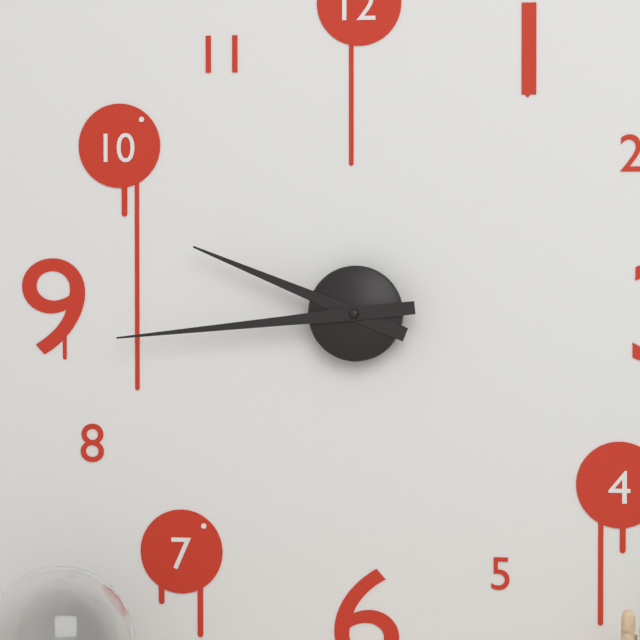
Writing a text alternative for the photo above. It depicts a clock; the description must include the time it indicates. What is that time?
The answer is 9:44
